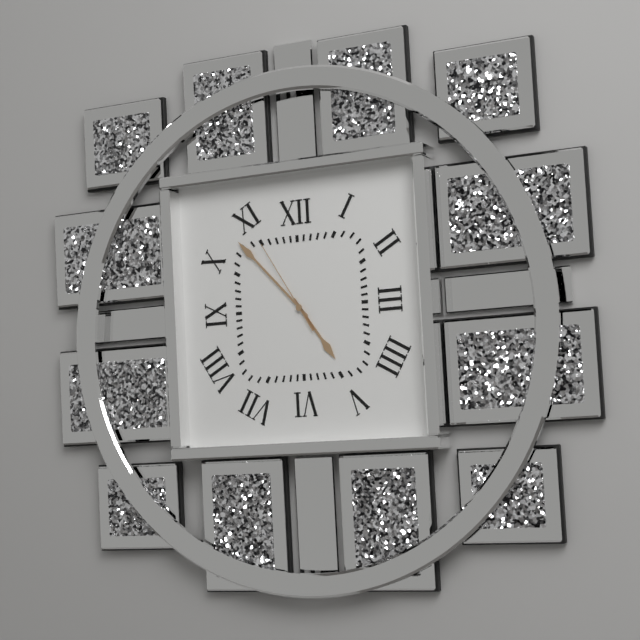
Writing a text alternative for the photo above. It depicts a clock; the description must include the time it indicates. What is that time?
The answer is 4:53:55
